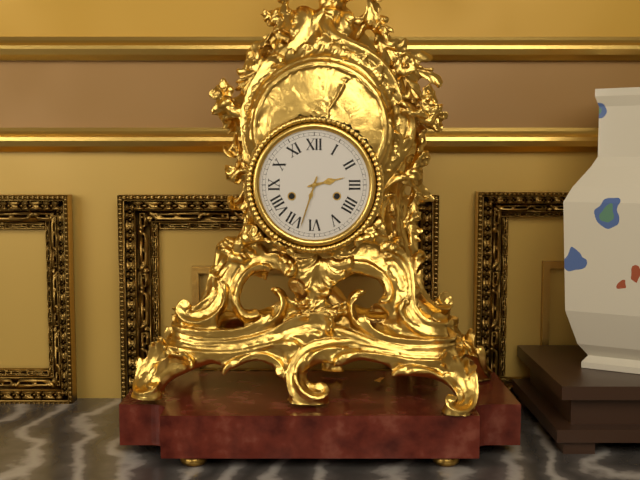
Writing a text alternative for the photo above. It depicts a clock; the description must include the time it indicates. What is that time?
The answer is 2:33
